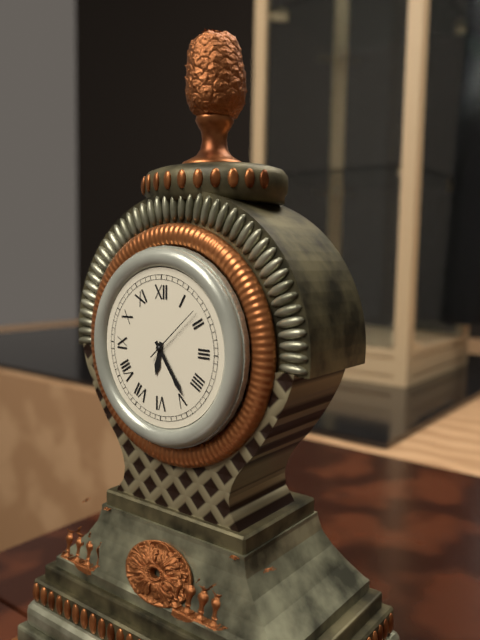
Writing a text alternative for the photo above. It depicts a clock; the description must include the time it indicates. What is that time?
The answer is 6:24:08
